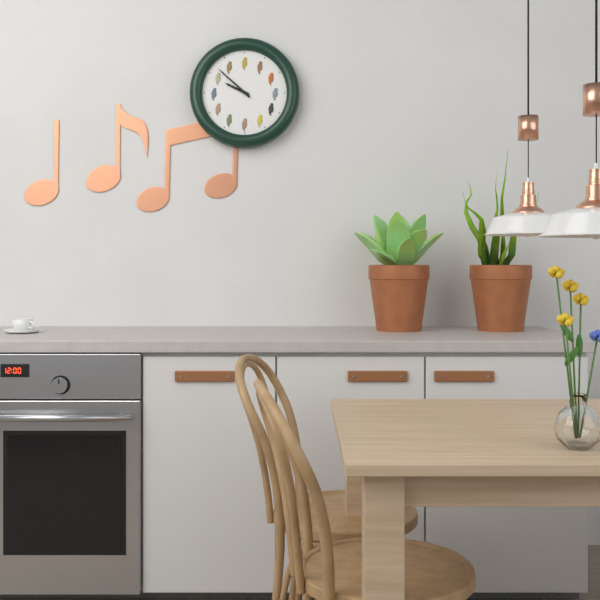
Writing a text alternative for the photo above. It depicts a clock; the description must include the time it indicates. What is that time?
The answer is 9:52
